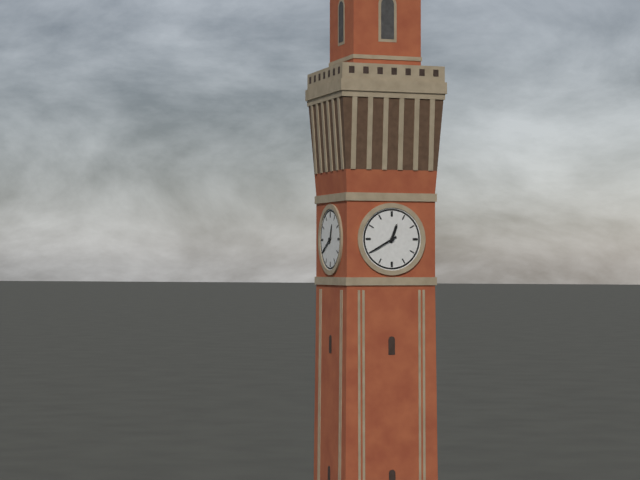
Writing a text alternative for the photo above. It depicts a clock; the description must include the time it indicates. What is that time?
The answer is 12:40
